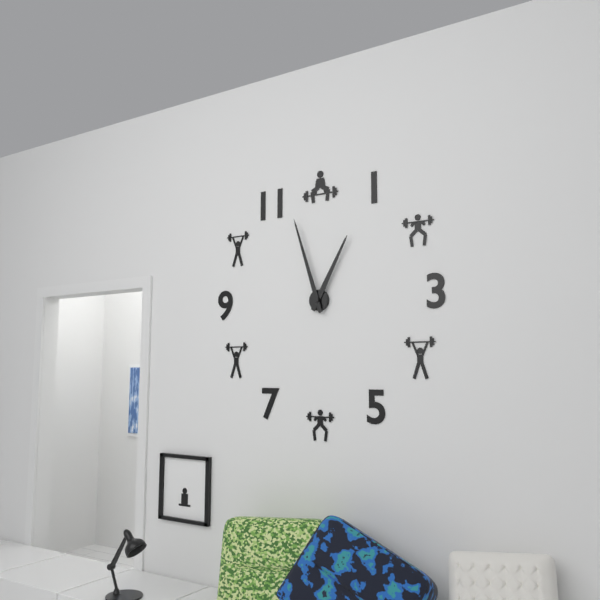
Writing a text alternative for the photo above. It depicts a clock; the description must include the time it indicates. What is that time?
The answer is 12:57
